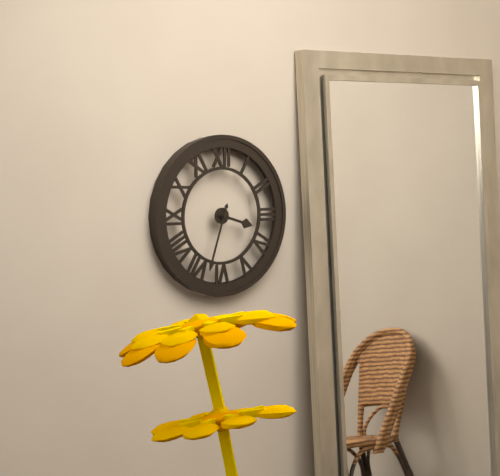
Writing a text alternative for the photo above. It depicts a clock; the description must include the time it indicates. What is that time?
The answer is 3:33
